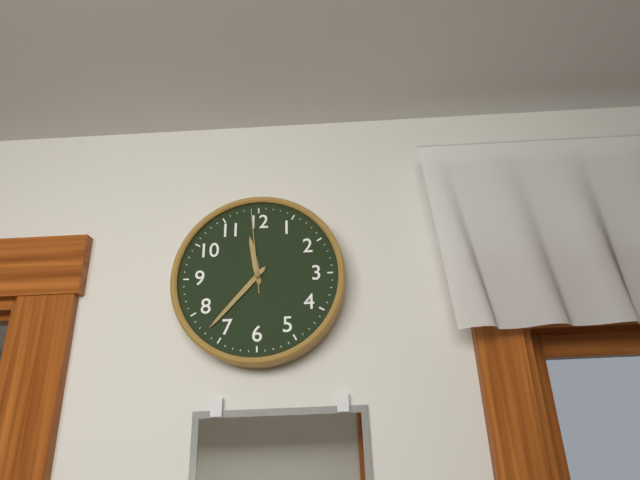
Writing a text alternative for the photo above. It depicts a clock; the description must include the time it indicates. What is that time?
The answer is 11:37:59
